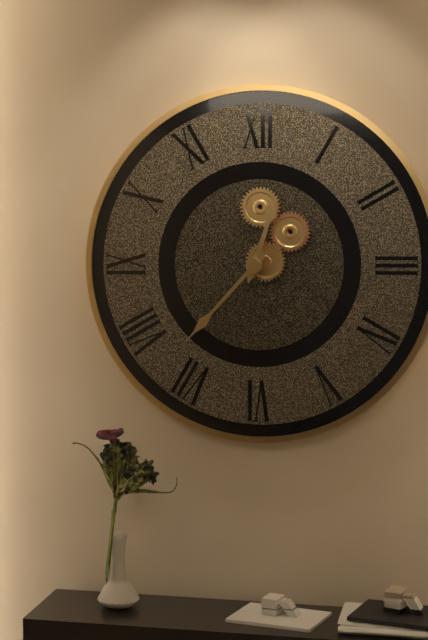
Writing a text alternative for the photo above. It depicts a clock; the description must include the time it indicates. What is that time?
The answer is 12:37
